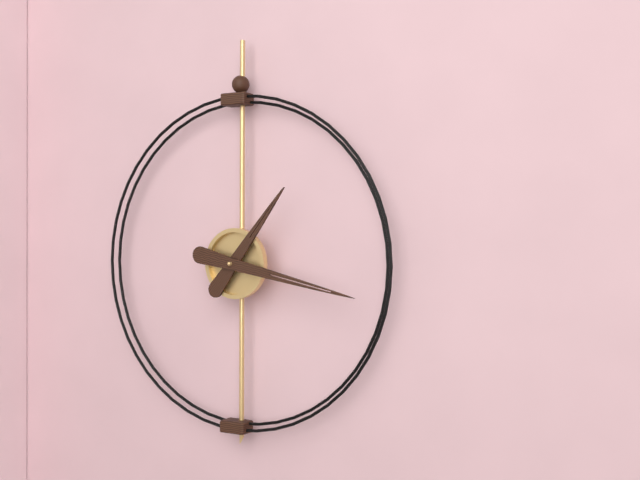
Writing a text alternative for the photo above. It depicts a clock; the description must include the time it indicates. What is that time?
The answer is 1:17
